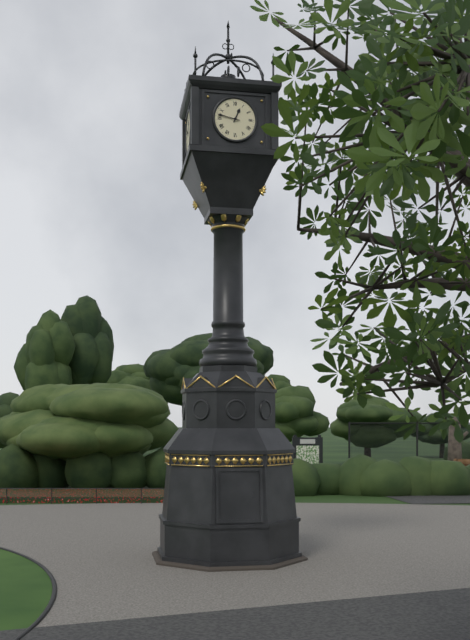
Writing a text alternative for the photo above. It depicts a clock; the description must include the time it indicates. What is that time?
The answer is 12:47
